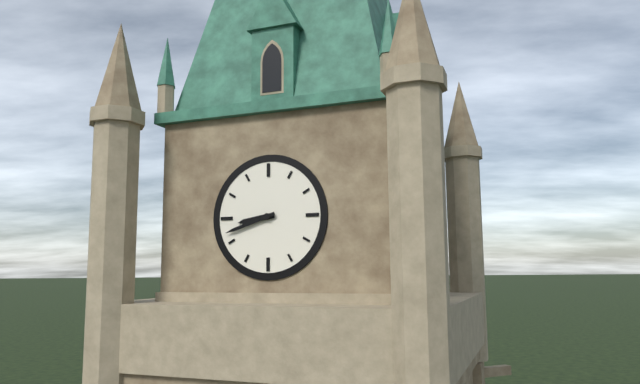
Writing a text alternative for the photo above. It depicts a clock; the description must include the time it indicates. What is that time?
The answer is 8:42
